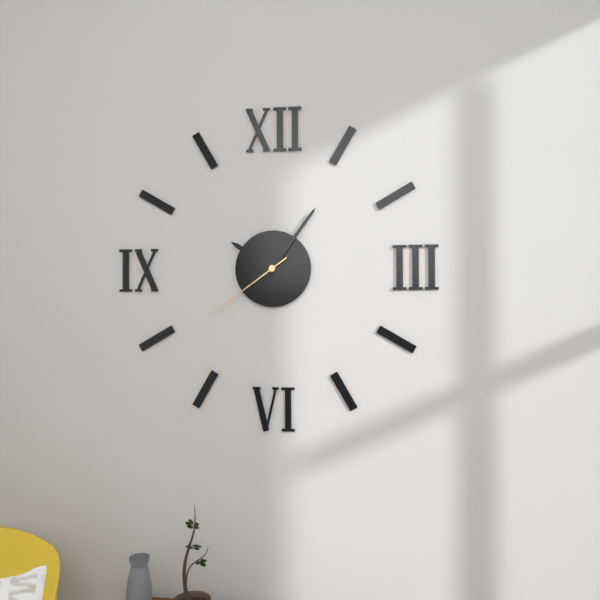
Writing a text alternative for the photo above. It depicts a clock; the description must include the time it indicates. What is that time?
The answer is 10:06:39
